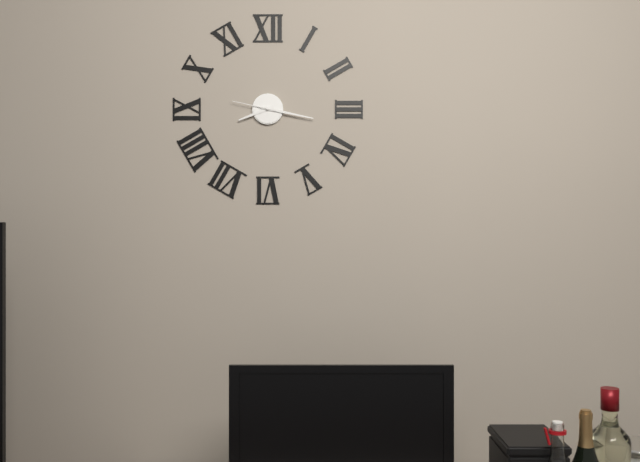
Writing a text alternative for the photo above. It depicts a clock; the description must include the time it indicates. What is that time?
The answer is 8:17
